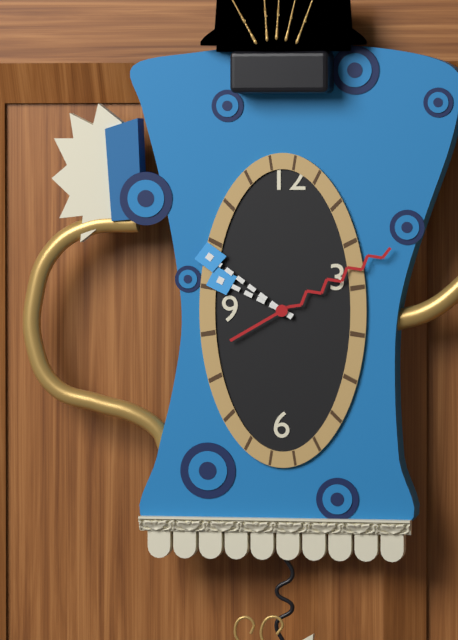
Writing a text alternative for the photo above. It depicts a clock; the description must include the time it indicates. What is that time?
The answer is 9:51:10
